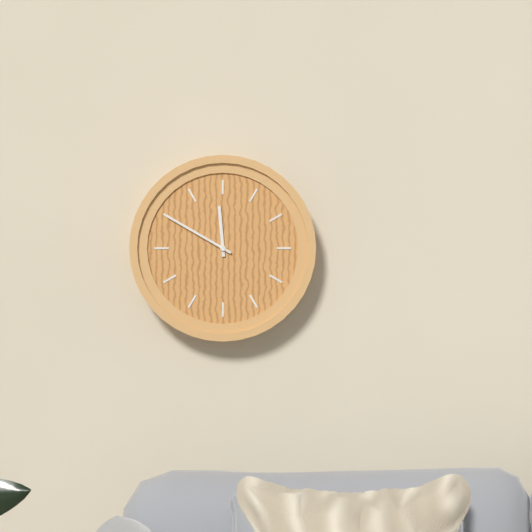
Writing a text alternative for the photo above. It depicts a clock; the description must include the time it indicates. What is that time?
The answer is 11:50
